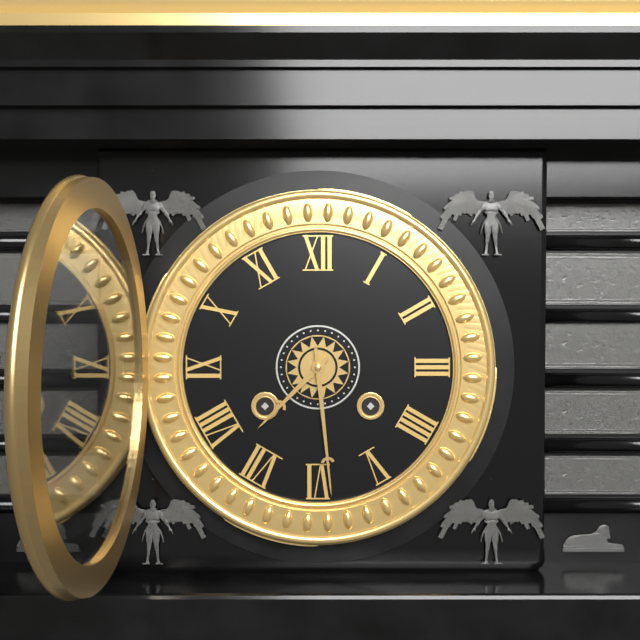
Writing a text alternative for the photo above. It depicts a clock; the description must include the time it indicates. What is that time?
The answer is 7:29
